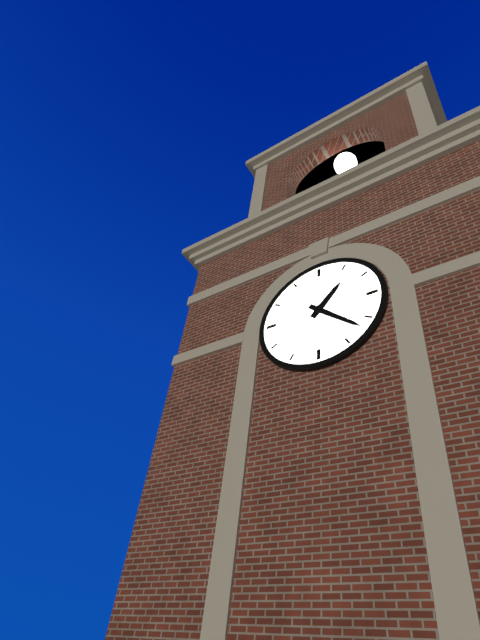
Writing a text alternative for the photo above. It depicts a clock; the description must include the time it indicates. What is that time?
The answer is 1:22
